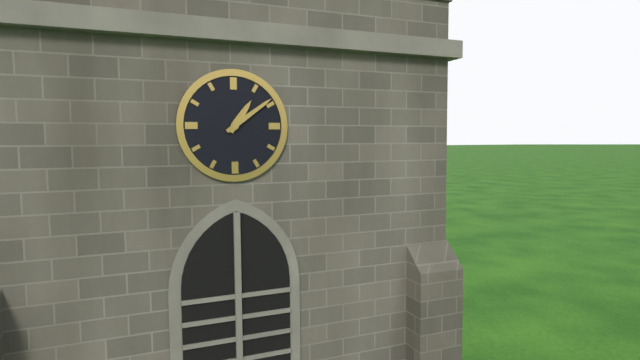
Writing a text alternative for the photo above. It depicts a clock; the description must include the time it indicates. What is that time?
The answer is 1:09
